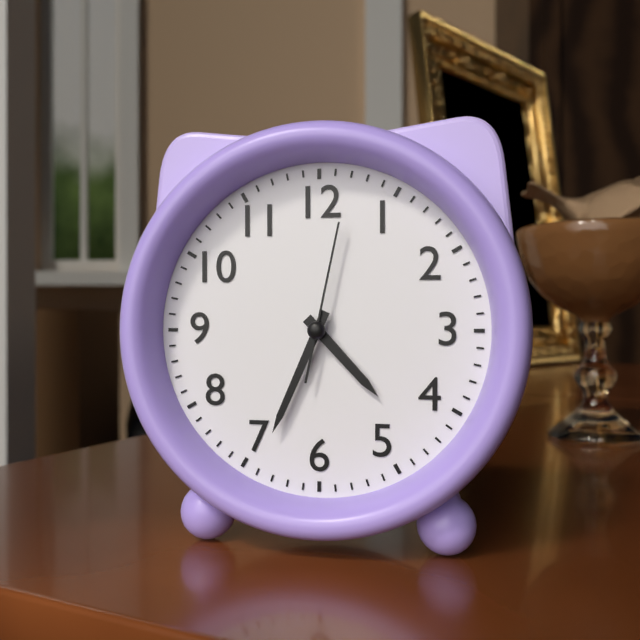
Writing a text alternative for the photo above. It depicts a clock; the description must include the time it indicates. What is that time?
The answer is 4:34:02
